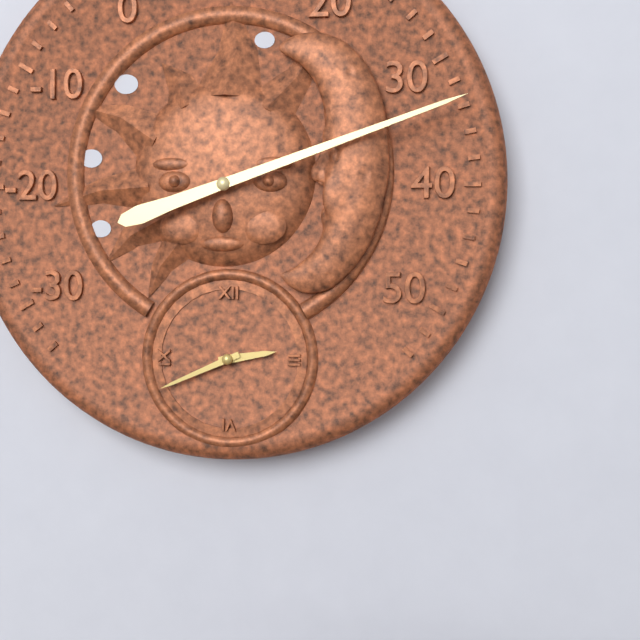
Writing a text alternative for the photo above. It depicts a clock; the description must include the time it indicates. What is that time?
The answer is 2:41
